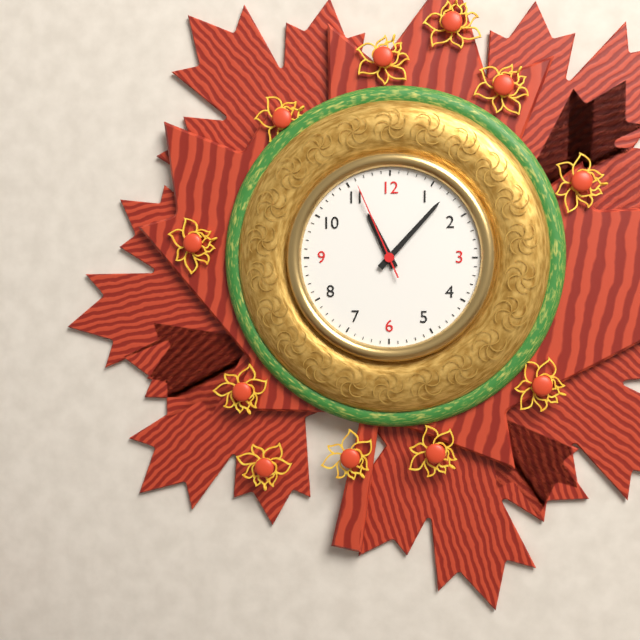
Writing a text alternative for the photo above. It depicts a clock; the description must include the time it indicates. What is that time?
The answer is 11:07:56
